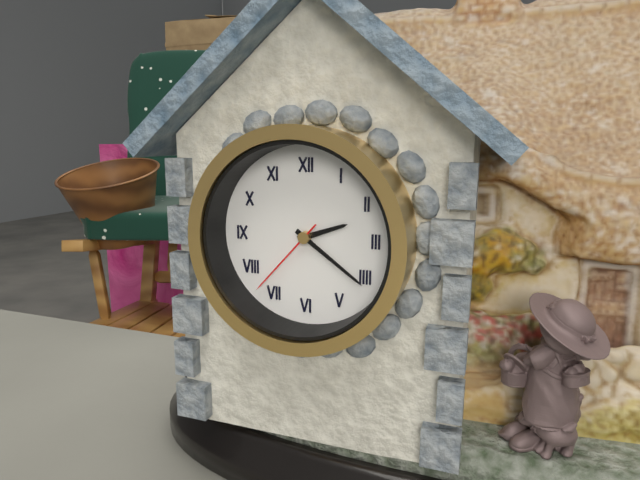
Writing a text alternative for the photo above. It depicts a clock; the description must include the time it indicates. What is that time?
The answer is 2:21:37
